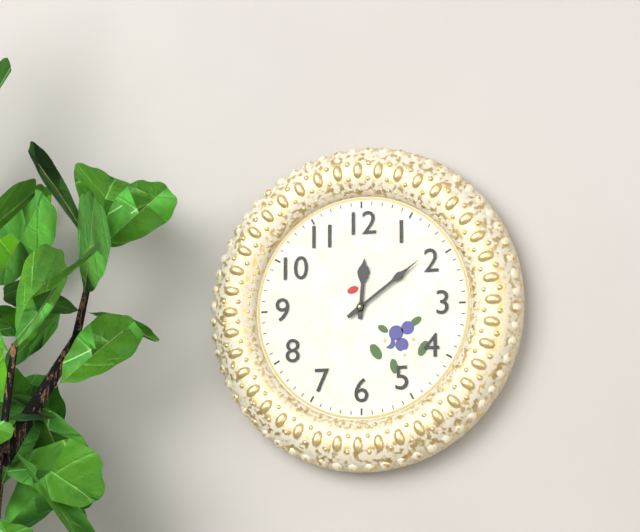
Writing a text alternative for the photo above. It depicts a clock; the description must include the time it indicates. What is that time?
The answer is 12:09
